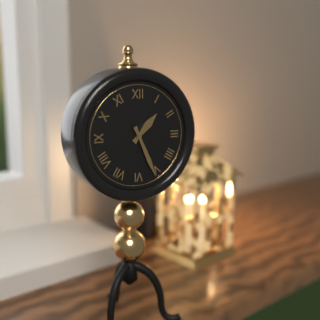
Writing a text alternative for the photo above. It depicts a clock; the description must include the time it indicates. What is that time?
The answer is 1:26
